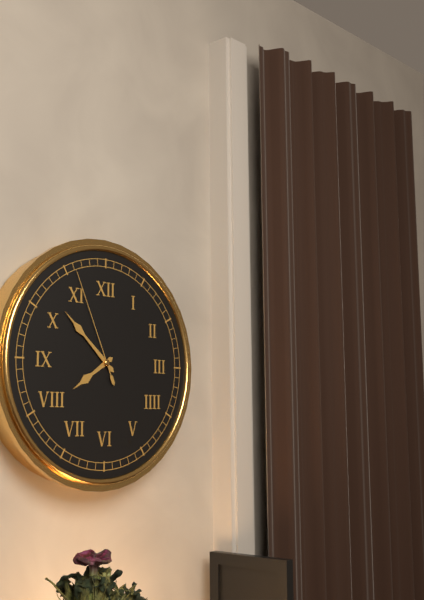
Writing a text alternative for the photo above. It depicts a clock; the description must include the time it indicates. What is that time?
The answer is 7:52:56
